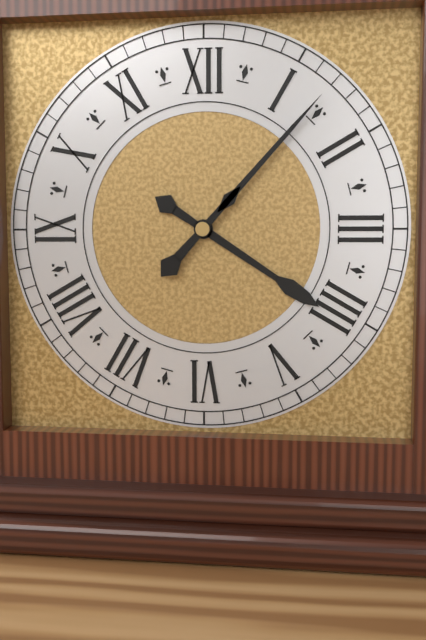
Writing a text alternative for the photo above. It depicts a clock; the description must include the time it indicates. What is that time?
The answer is 4:07
